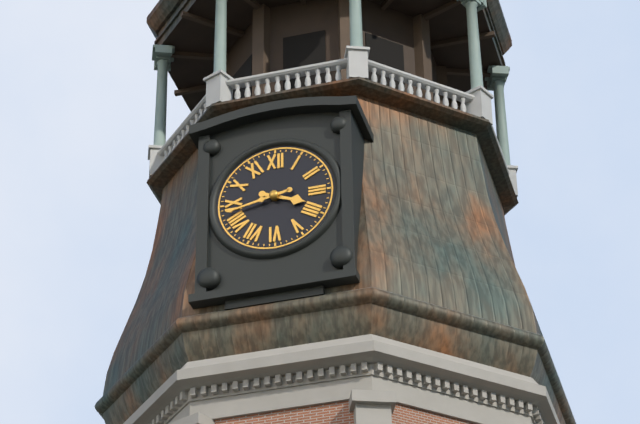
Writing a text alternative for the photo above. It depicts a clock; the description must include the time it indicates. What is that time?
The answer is 3:43
